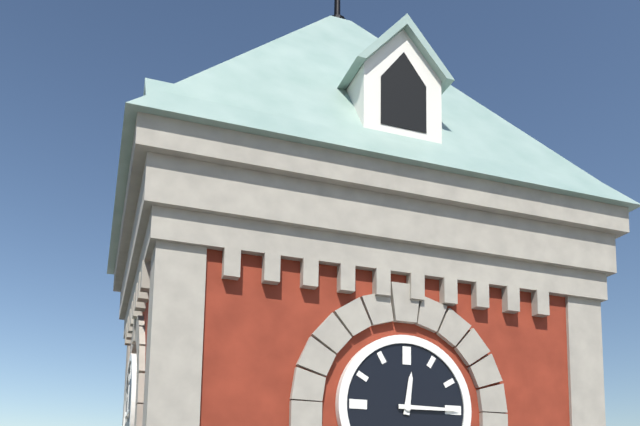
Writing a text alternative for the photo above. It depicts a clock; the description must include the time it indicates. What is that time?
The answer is 12:15
